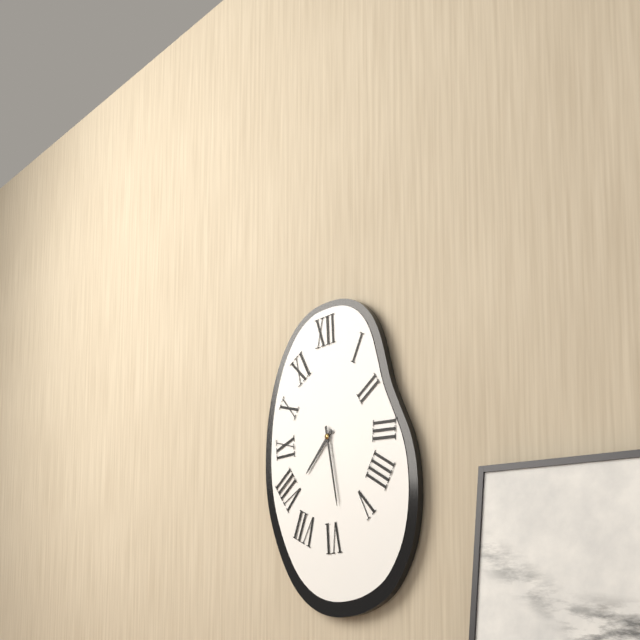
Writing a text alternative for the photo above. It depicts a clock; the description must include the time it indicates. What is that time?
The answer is 7:28
